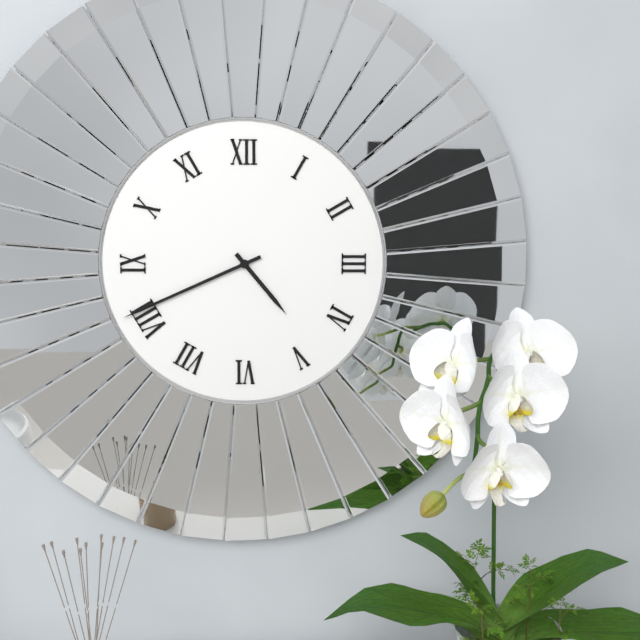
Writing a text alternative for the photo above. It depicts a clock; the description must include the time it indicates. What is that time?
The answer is 4:41
